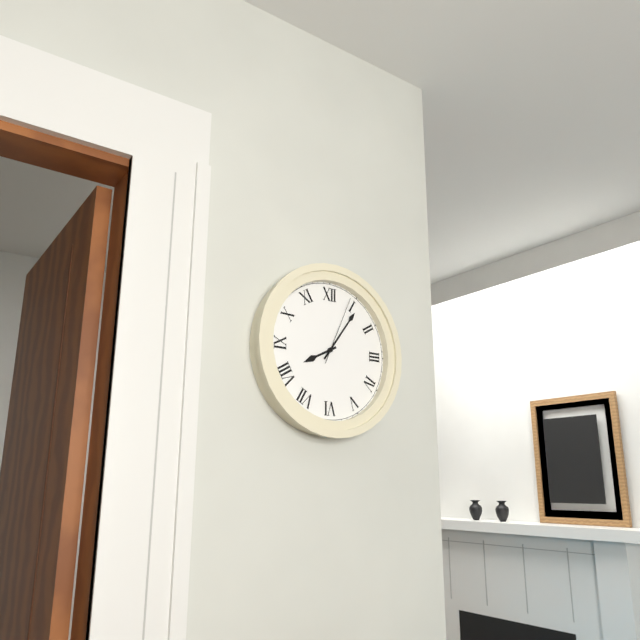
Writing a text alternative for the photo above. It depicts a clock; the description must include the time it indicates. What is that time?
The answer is 8:06:04
